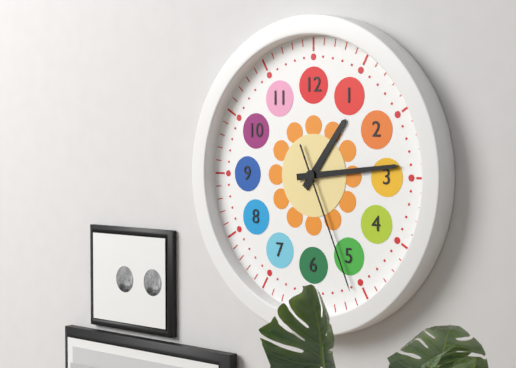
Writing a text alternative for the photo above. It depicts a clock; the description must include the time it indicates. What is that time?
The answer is 1:14:26
